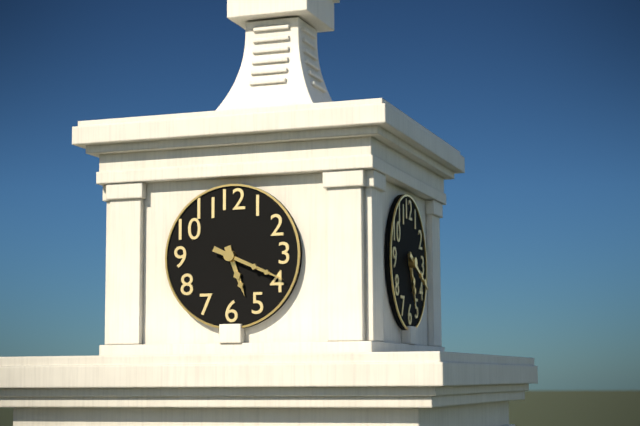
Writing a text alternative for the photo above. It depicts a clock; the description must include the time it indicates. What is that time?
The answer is 5:19
